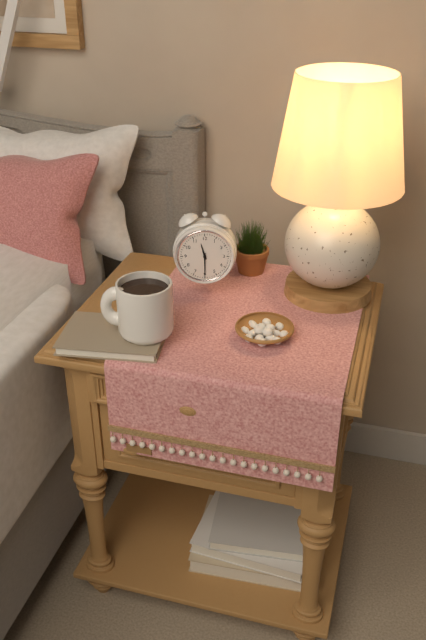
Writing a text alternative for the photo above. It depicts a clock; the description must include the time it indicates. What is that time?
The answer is 11:30
